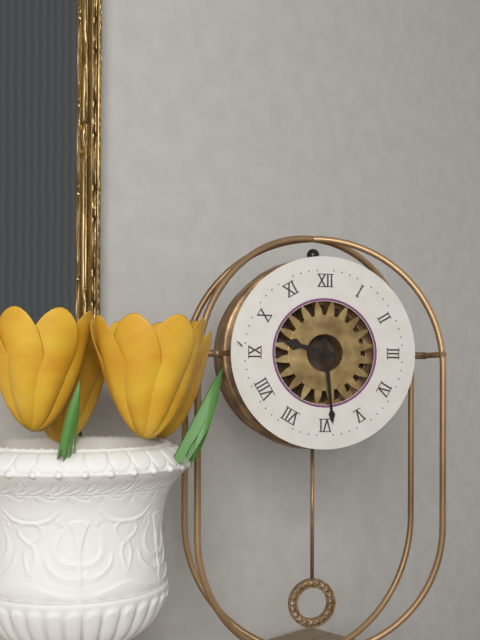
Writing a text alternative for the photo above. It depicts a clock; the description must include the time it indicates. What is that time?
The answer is 9:29
